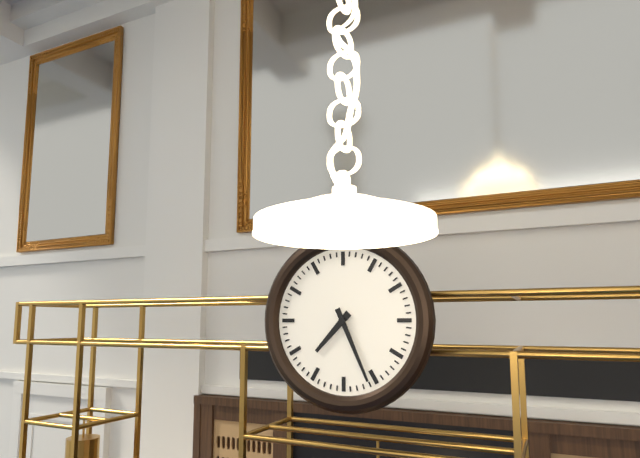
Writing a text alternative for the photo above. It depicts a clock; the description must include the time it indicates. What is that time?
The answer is 7:26
